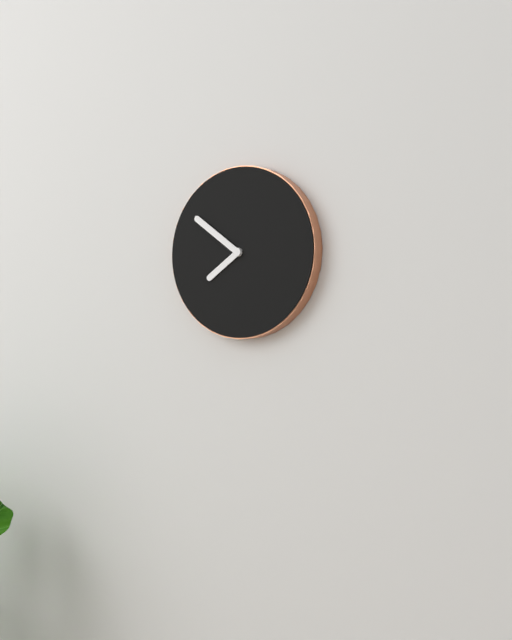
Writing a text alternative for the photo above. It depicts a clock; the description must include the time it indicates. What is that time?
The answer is 7:51
